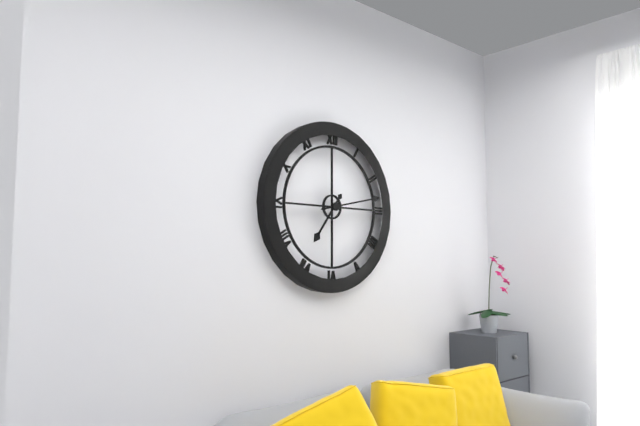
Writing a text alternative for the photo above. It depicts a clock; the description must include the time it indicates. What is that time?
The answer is 7:13
